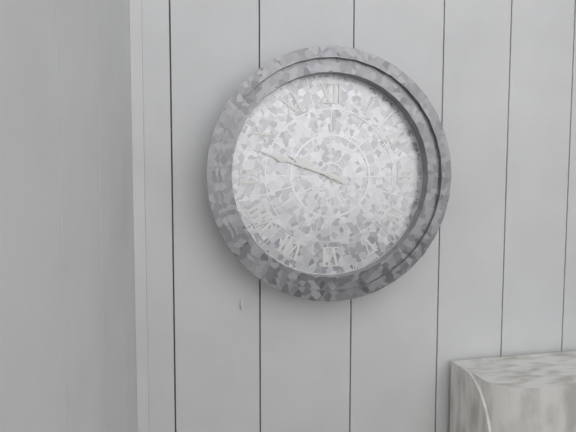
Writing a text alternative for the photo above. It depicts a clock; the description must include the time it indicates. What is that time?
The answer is 9:48
